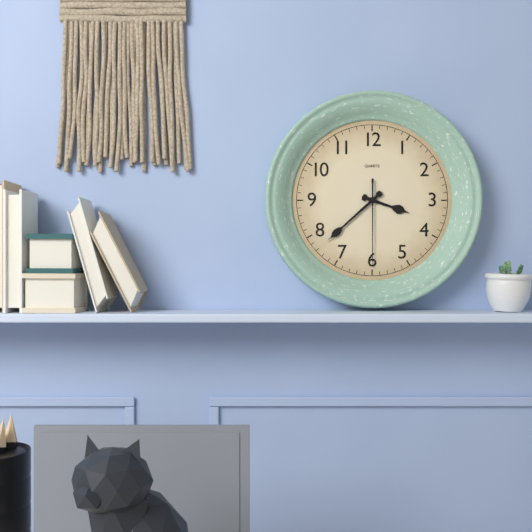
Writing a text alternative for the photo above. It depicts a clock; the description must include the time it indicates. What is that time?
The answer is 3:38:30
